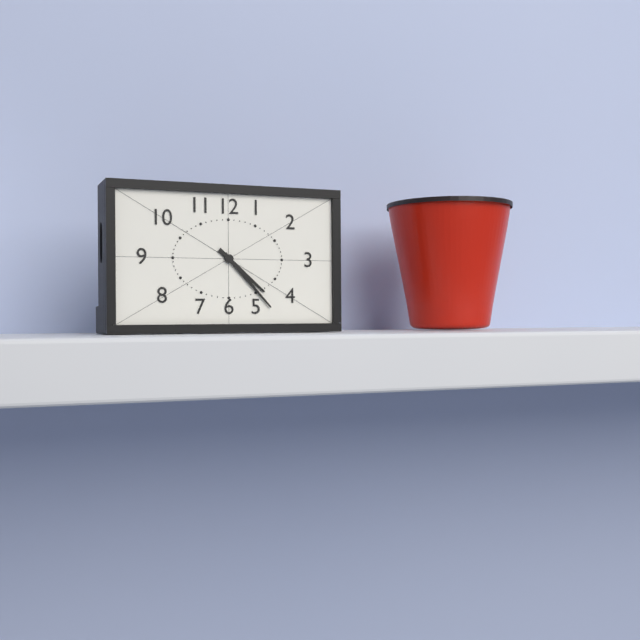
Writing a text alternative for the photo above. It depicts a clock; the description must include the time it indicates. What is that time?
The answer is 4:23
